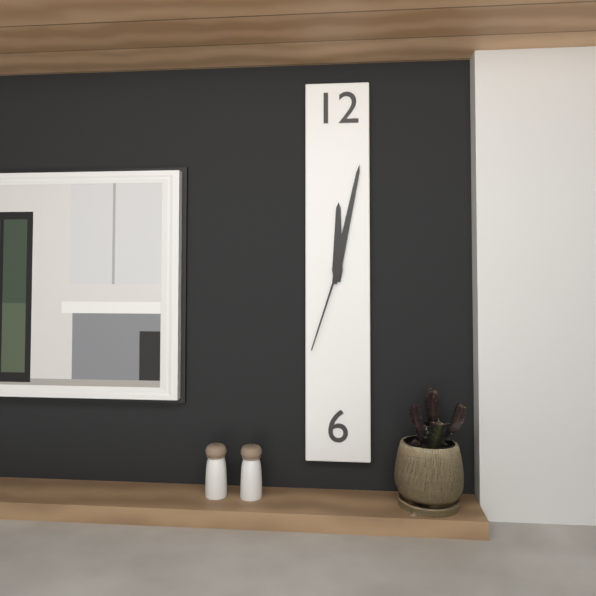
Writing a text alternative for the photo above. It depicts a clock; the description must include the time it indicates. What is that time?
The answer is 12:02:33
